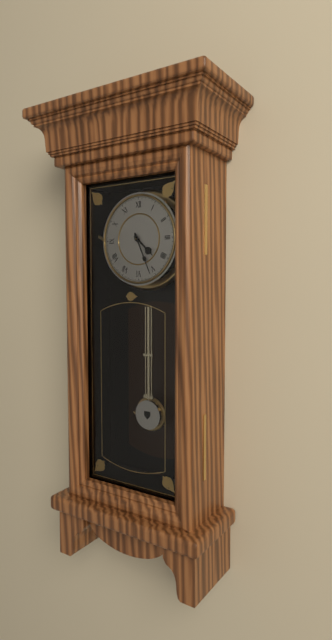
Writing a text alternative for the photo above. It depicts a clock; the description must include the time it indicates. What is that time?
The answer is 4:26
